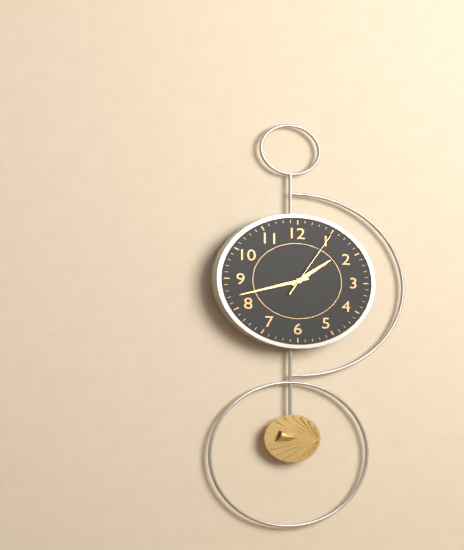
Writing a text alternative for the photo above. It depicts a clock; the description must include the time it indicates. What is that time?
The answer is 1:42:05
